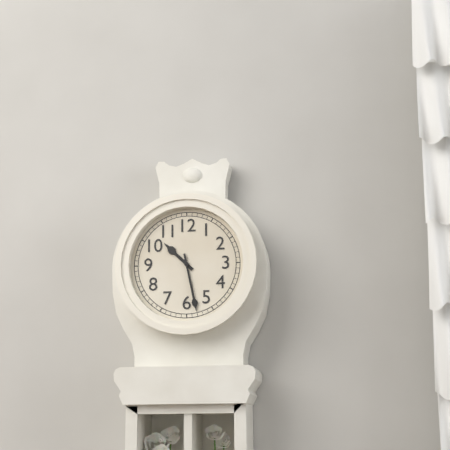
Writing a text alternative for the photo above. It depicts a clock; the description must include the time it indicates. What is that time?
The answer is 10:28
